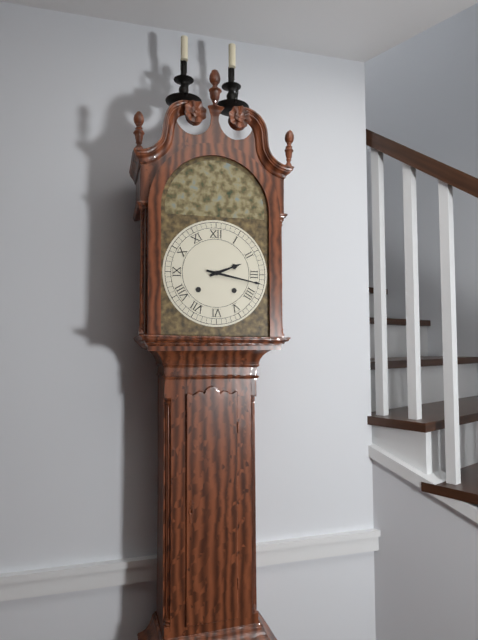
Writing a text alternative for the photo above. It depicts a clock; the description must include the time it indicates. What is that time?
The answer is 2:17
